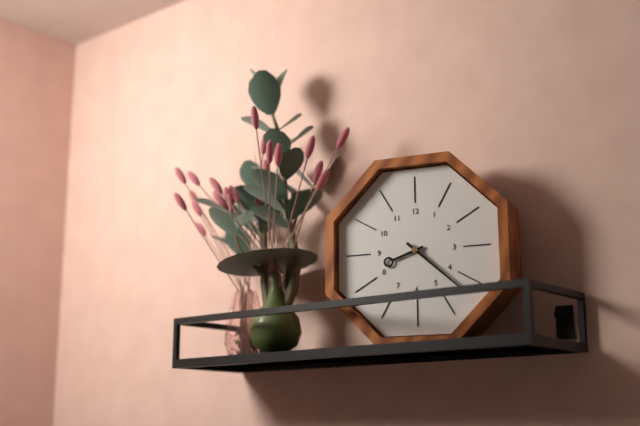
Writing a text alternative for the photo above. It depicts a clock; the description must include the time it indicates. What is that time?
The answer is 8:22
